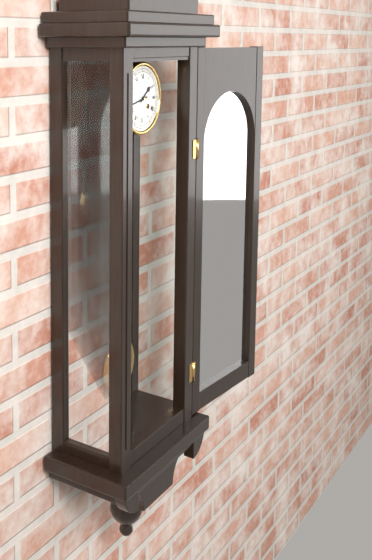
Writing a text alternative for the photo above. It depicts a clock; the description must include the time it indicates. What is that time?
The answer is 1:43
